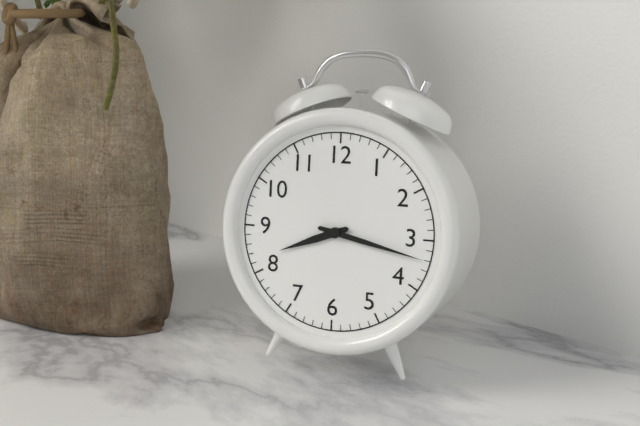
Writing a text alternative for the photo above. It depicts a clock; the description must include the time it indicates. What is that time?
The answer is 8:17
